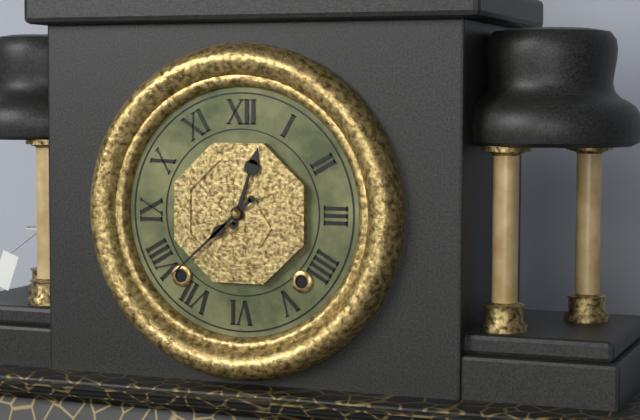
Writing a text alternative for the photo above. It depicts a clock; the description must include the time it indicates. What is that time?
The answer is 12:38
